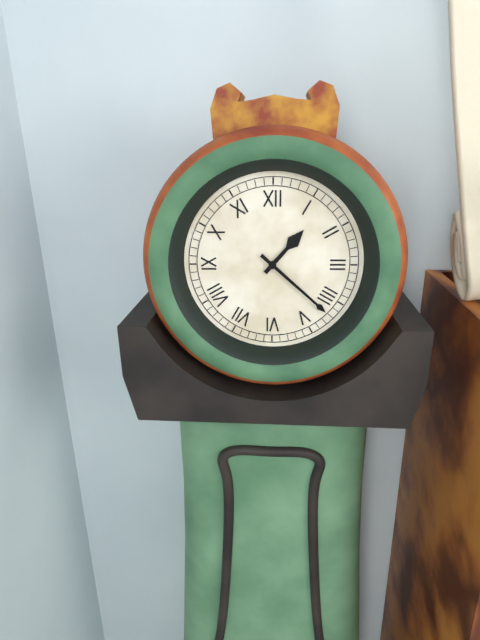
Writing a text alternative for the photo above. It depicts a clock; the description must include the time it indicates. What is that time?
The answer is 1:22
